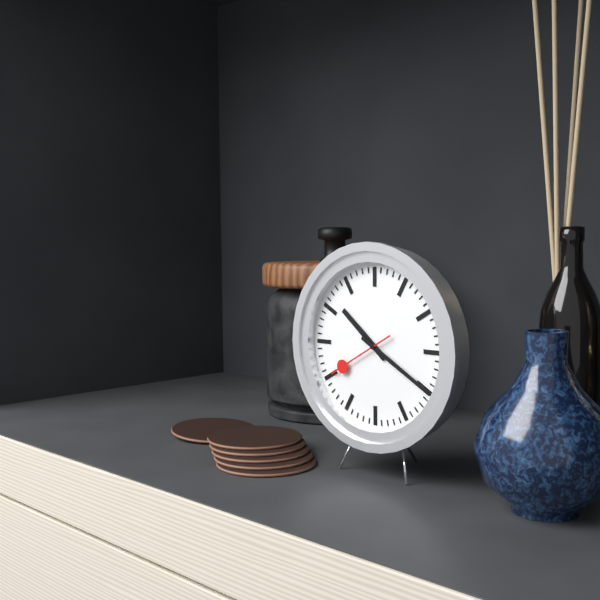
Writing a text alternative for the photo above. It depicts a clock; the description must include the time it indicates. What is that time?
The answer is 10:20:40
